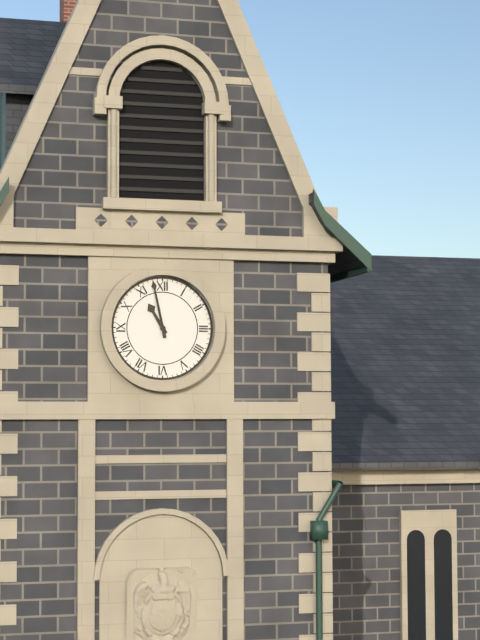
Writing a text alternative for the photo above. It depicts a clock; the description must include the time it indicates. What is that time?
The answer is 10:58
